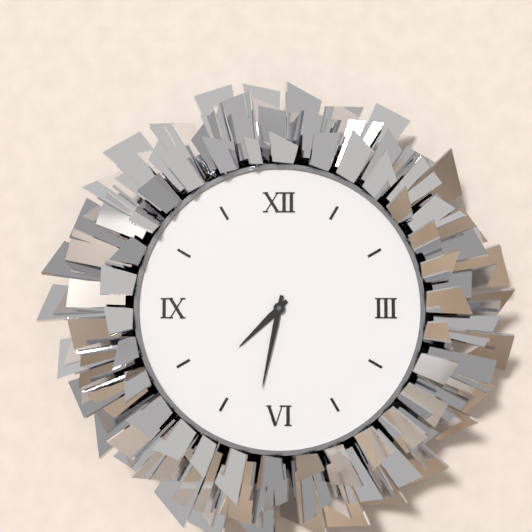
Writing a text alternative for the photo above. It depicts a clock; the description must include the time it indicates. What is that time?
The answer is 7:32
